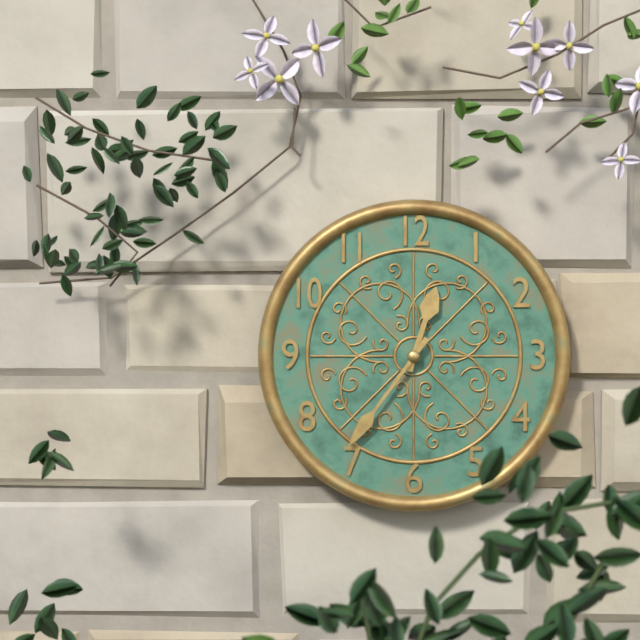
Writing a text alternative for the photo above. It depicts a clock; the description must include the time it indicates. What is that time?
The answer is 12:36
